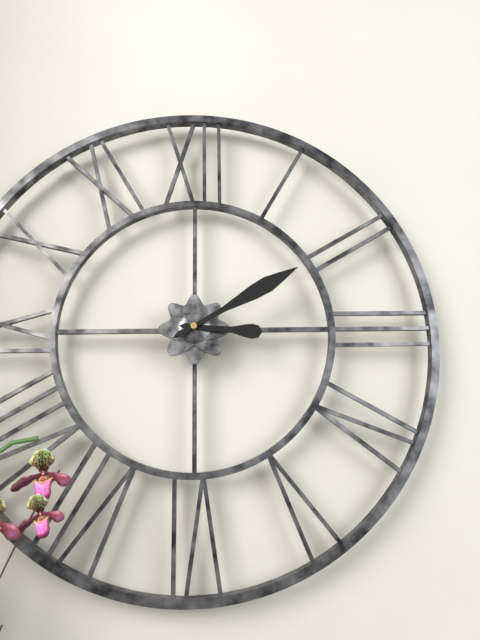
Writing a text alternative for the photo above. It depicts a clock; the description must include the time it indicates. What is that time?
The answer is 3:10
